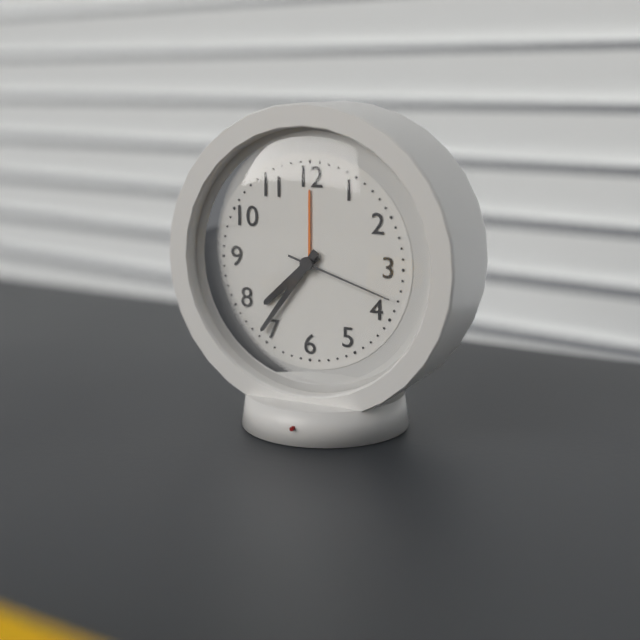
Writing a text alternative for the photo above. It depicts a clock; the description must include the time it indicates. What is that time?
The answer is 7:36:18
